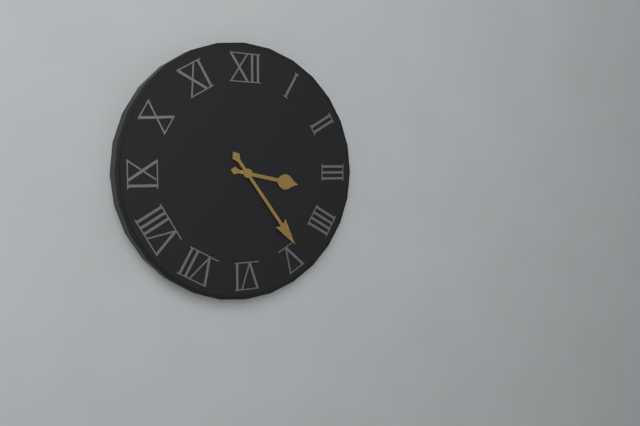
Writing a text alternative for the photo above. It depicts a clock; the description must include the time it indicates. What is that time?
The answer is 3:24
